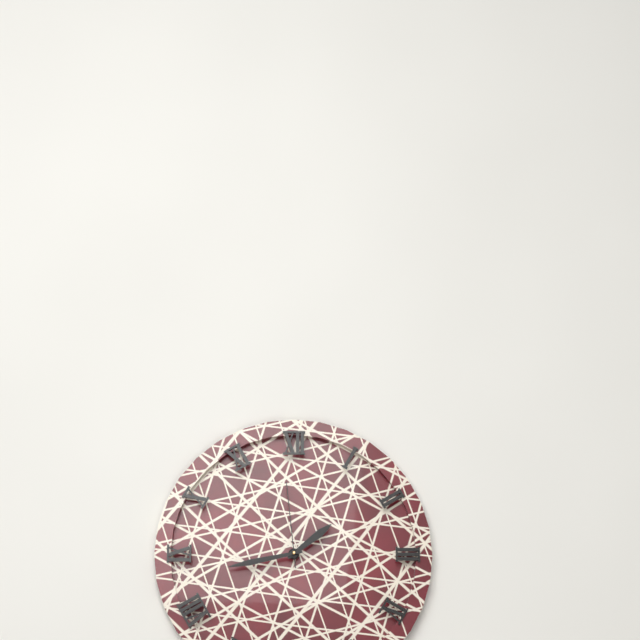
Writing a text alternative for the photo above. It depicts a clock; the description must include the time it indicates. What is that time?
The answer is 1:43:59
